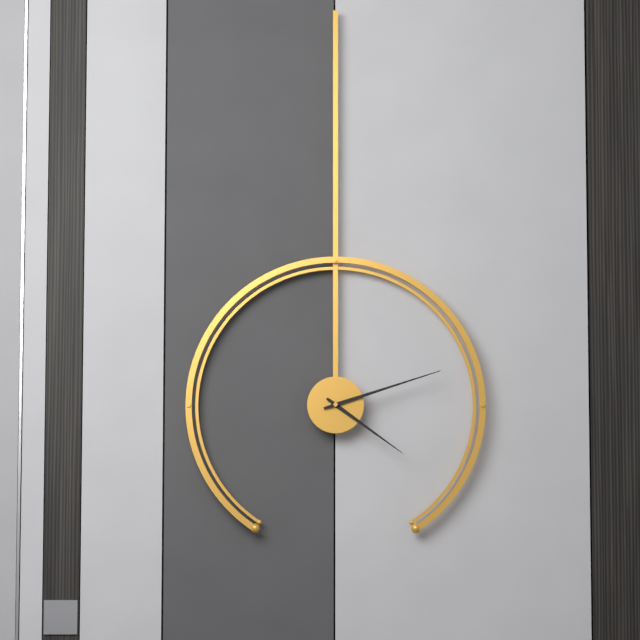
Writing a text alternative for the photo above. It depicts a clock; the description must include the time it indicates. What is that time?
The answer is 4:12
